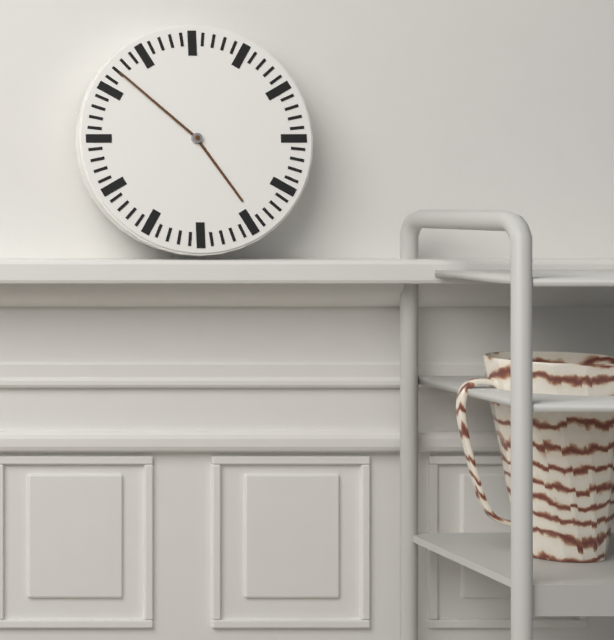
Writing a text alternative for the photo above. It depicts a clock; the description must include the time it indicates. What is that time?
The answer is 4:52
